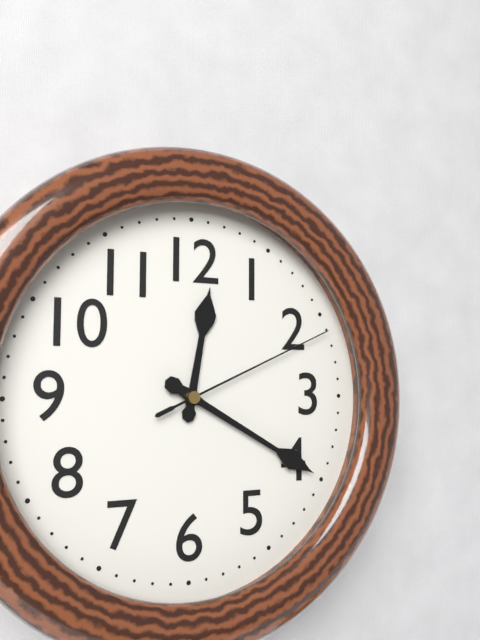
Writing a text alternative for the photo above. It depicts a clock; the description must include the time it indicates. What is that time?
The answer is 12:20:11
